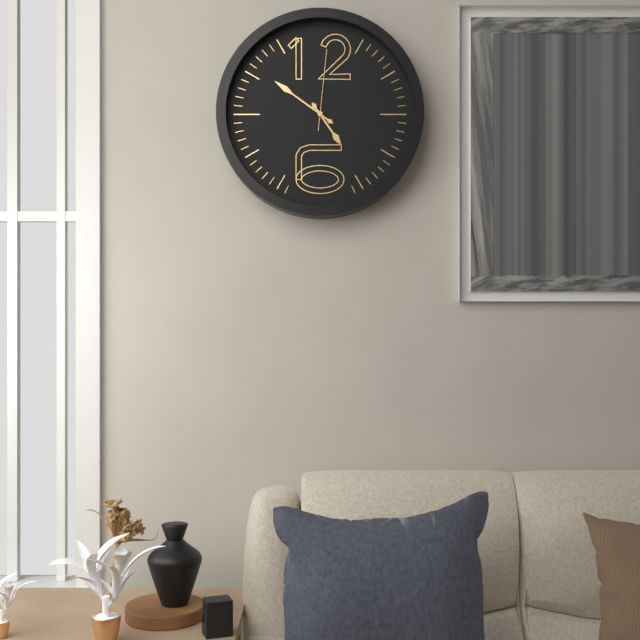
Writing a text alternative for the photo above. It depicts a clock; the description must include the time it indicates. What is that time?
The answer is 4:51:01
